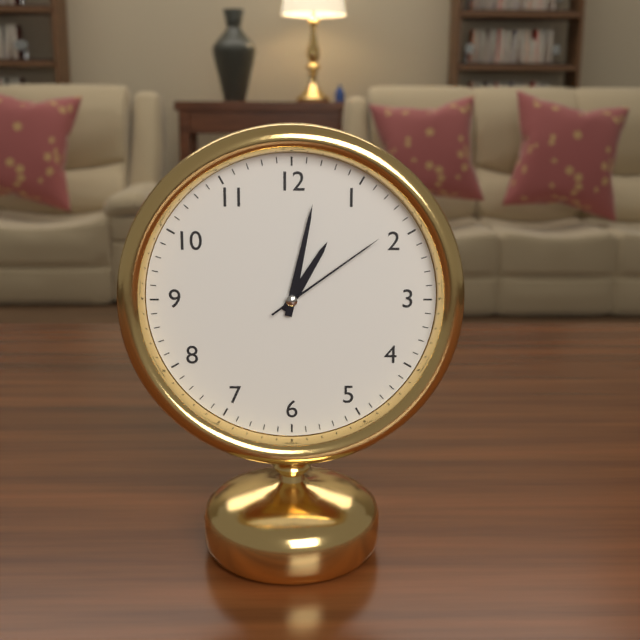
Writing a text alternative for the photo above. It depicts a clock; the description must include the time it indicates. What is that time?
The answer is 1:02:09
